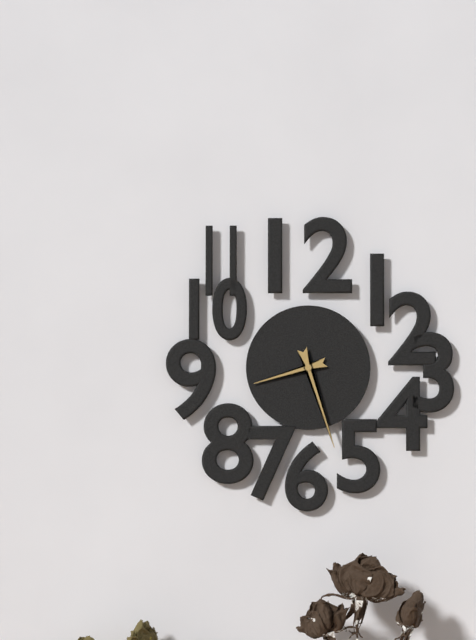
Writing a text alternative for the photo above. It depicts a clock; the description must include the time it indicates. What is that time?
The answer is 8:27
